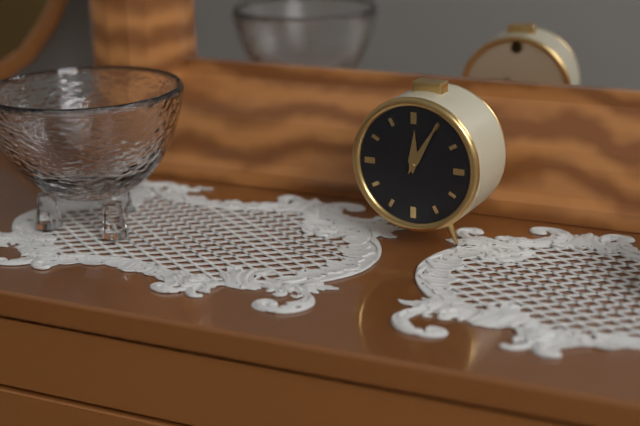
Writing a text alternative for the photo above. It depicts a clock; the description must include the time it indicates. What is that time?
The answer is 12:05
